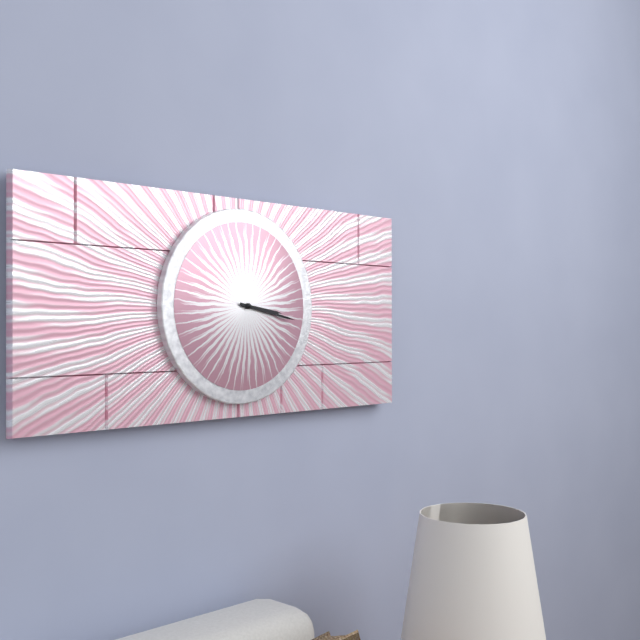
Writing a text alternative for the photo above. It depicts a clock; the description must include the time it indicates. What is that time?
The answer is 3:17
